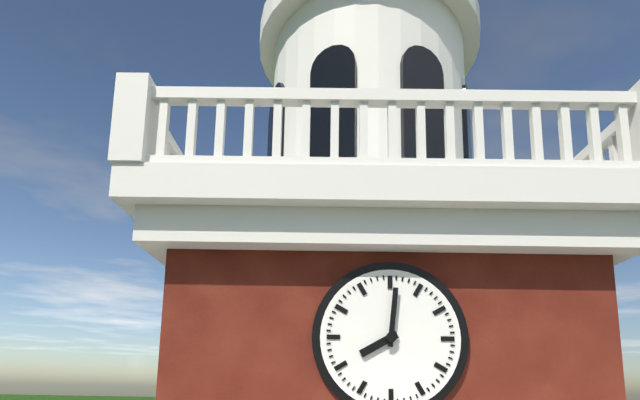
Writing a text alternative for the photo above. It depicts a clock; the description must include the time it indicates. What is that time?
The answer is 8:01
